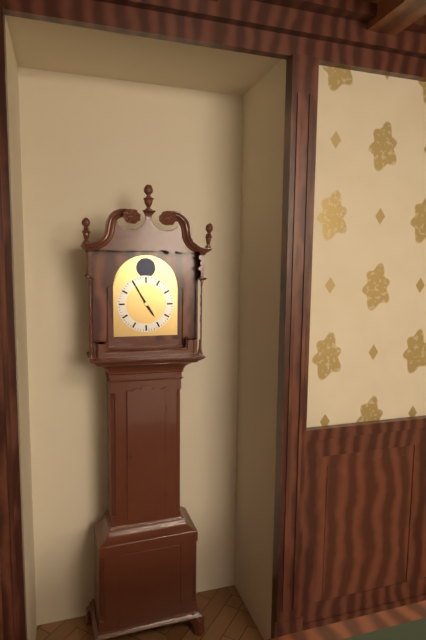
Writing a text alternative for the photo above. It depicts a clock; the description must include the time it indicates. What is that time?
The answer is 4:55
